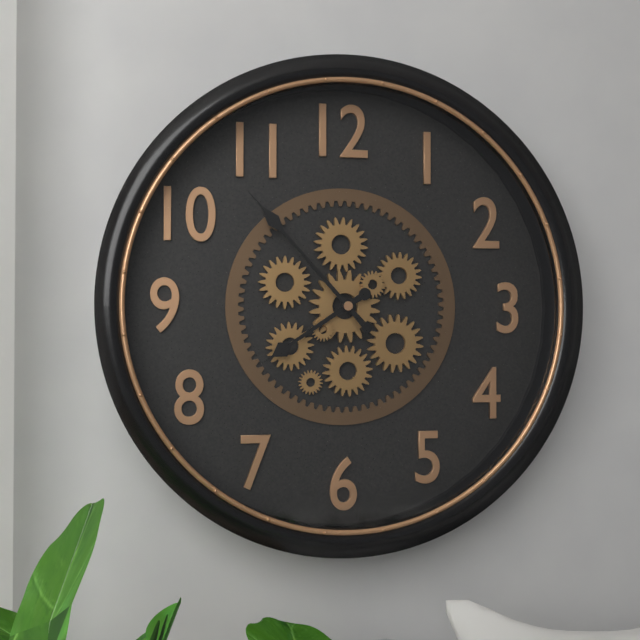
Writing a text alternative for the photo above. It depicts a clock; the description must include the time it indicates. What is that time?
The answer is 7:53
